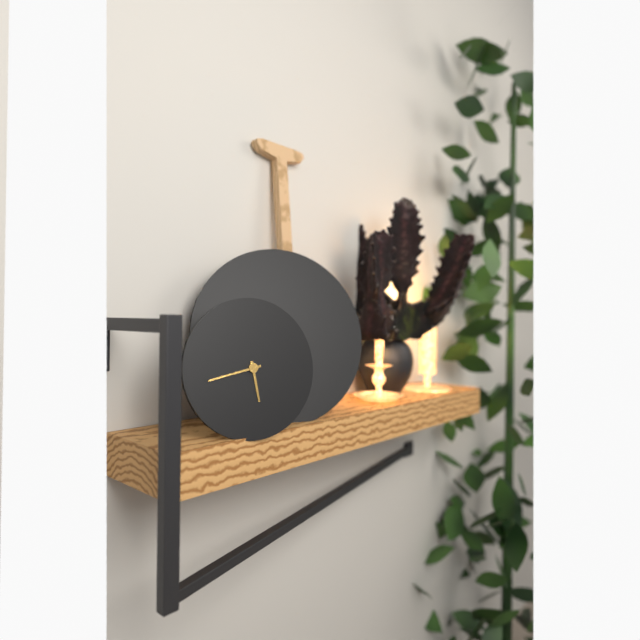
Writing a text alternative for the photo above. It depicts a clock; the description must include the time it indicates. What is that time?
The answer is 5:43
